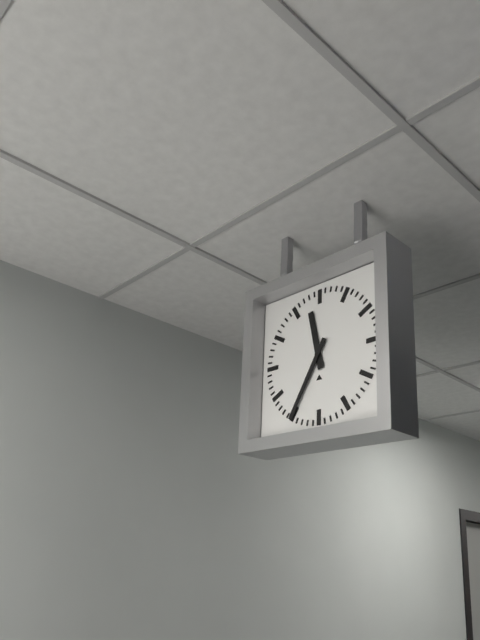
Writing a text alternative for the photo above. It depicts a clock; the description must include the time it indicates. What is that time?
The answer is 11:35
